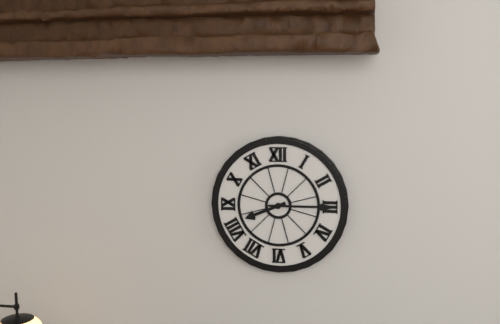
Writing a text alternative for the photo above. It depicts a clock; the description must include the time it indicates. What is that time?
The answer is 8:15
